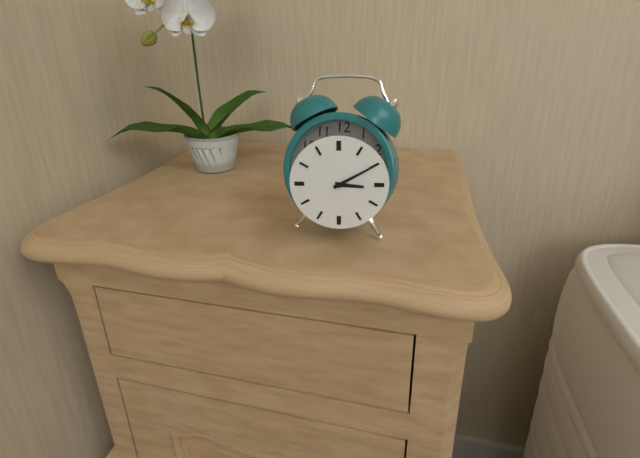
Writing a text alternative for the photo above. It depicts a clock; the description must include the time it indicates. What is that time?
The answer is 3:10
